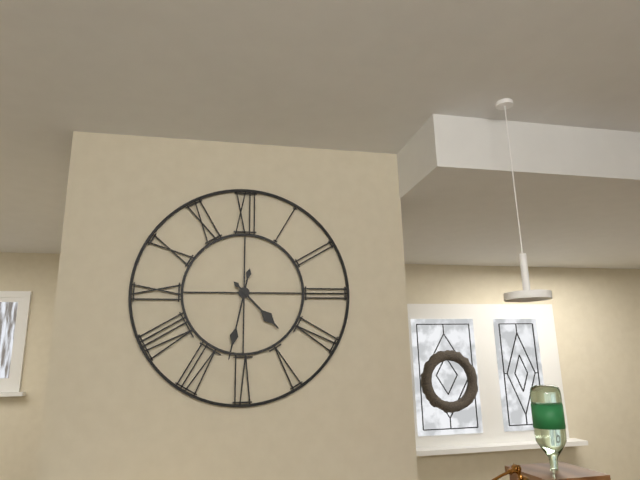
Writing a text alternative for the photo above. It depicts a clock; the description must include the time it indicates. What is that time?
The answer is 4:32
